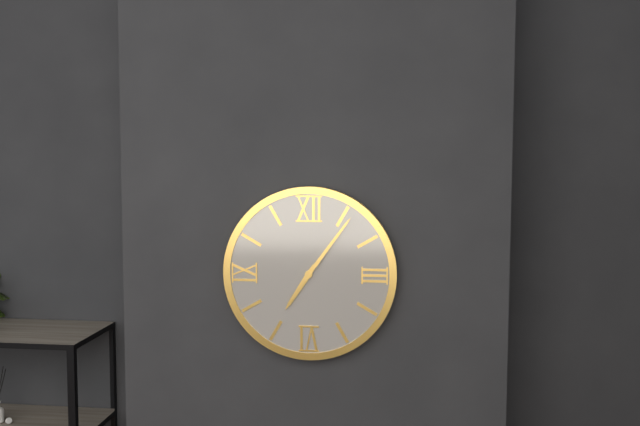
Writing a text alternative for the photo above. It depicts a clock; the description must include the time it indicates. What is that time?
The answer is 7:06
